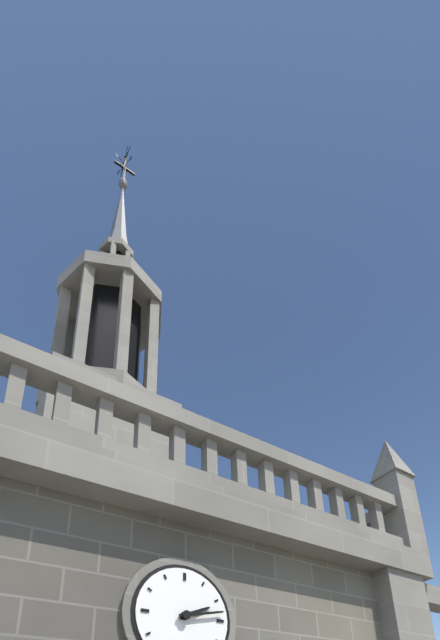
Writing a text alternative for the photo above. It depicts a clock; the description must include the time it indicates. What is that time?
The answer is 2:13
